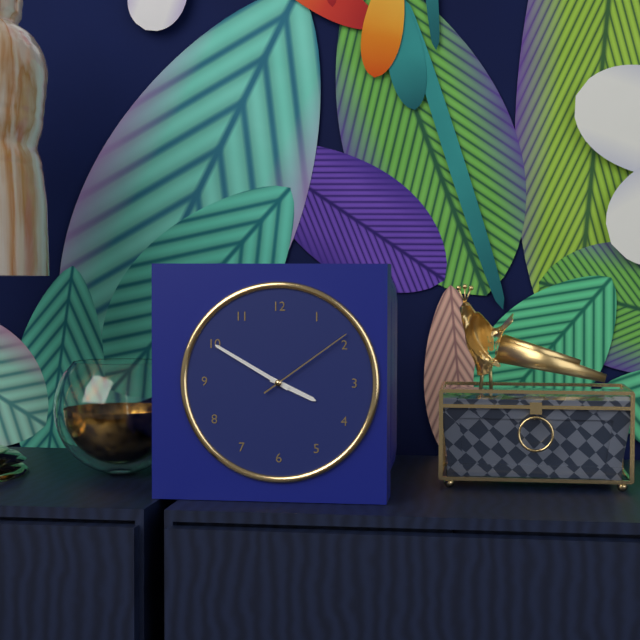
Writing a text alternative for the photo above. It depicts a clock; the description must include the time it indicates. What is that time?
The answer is 3:50:09
